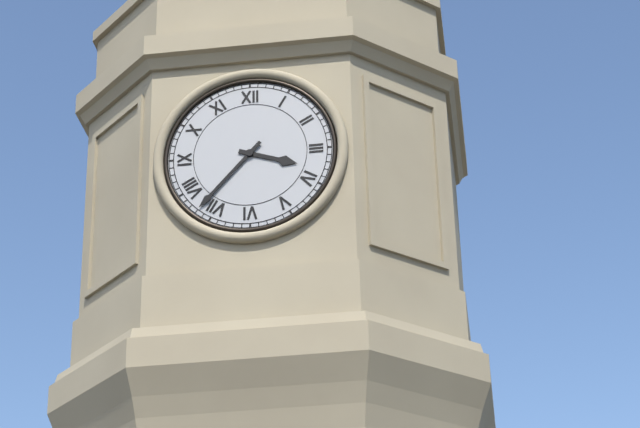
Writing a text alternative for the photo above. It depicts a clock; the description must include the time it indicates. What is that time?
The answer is 3:37
